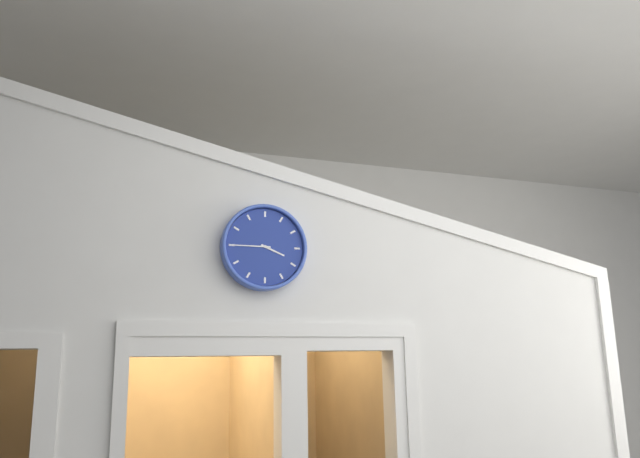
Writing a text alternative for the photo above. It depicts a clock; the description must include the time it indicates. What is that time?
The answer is 3:45
